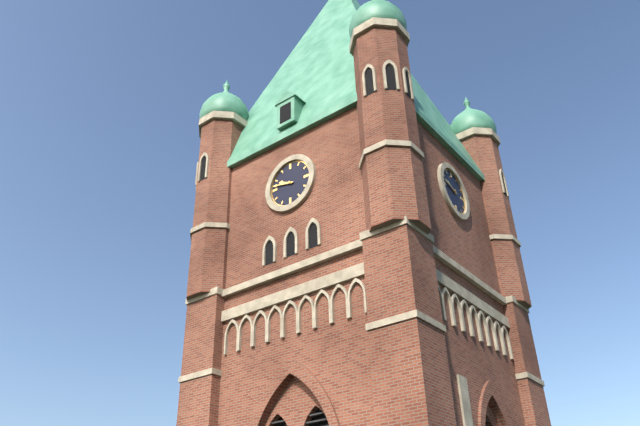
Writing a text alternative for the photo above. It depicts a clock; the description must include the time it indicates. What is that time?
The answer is 9:47
